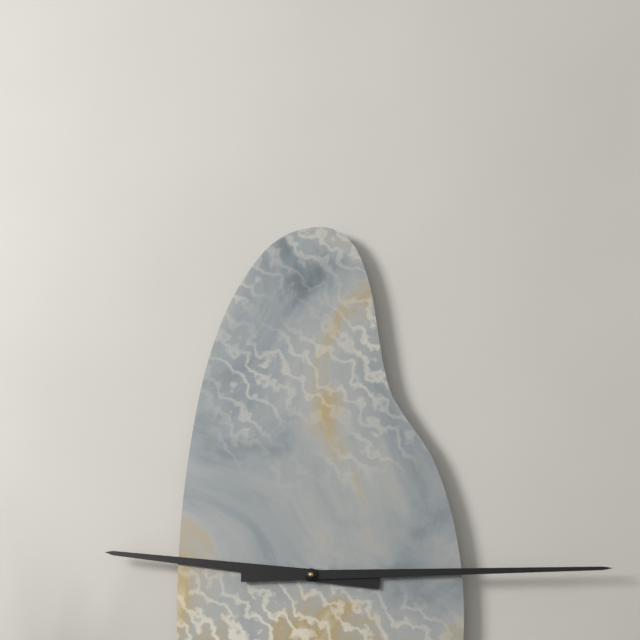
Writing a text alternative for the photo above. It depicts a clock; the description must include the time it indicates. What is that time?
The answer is 9:15
